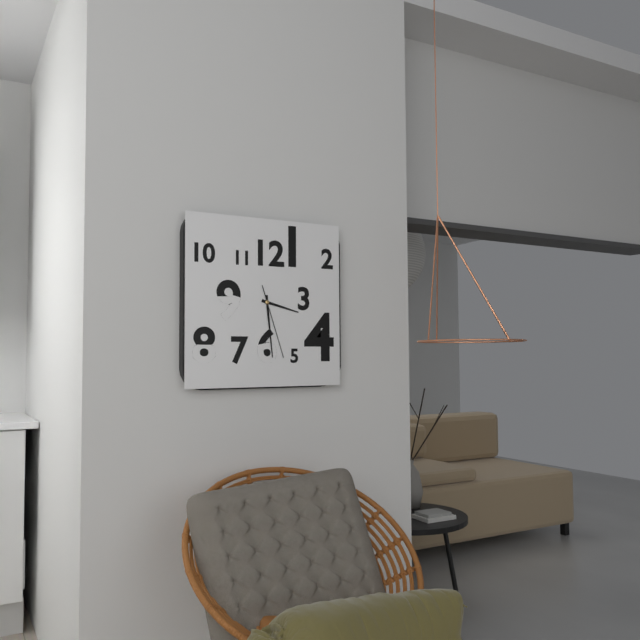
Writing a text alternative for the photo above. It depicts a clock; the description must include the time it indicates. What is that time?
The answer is 3:29:27
